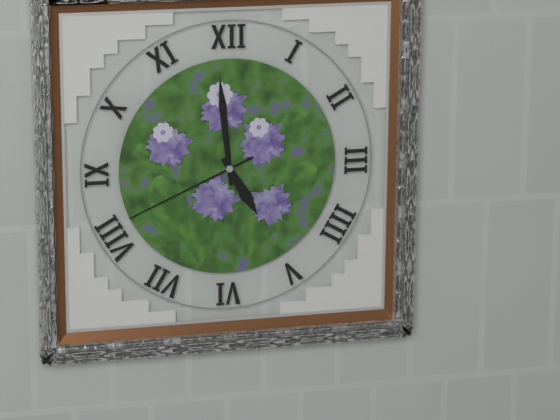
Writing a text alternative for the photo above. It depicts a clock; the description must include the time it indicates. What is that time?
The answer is 4:59:41
